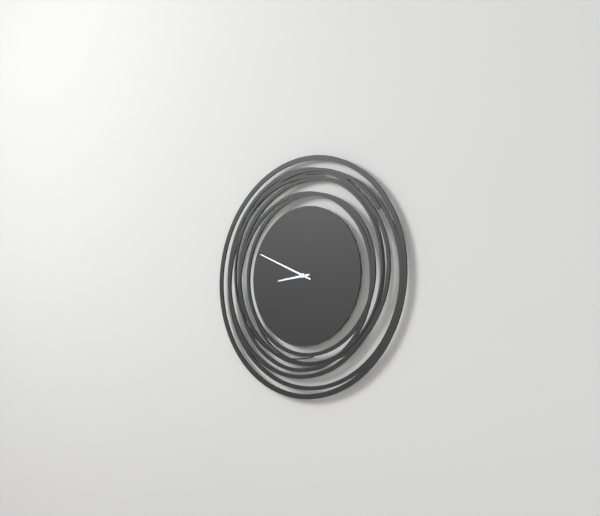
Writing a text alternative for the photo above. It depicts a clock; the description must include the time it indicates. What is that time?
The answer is 8:49
